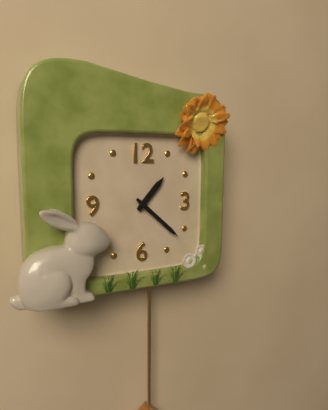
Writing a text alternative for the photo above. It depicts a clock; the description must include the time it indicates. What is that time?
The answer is 1:22
